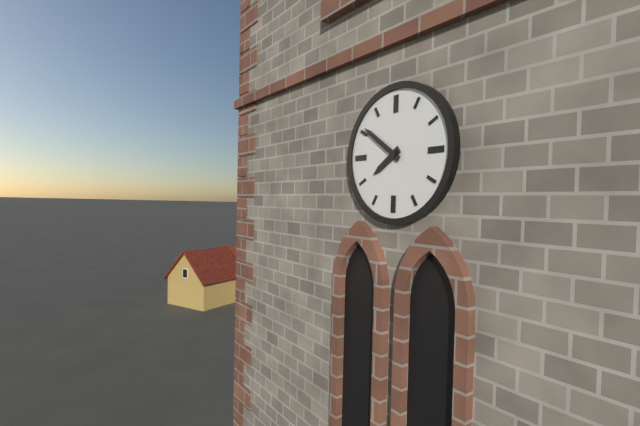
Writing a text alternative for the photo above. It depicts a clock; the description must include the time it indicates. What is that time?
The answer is 7:51
